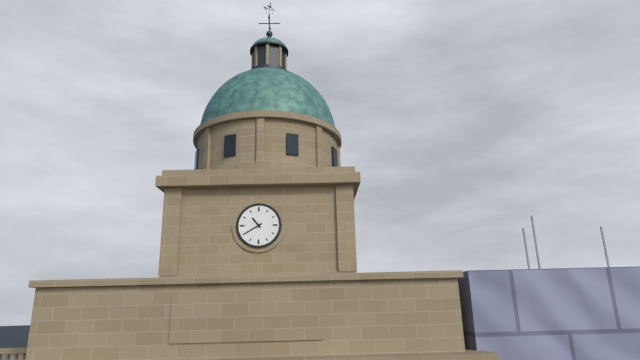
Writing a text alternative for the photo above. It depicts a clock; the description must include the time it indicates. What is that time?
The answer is 10:40
